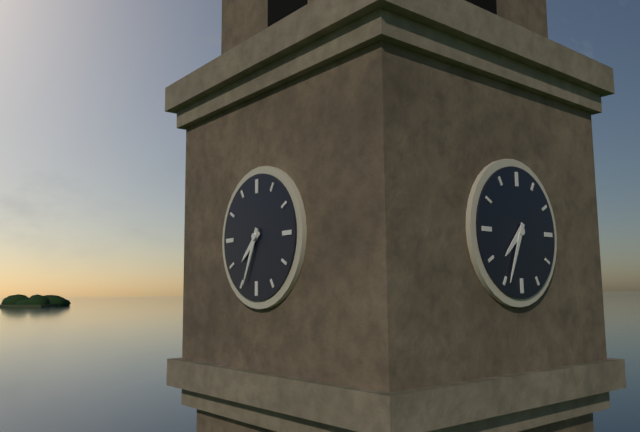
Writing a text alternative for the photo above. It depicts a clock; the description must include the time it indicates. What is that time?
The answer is 7:34
